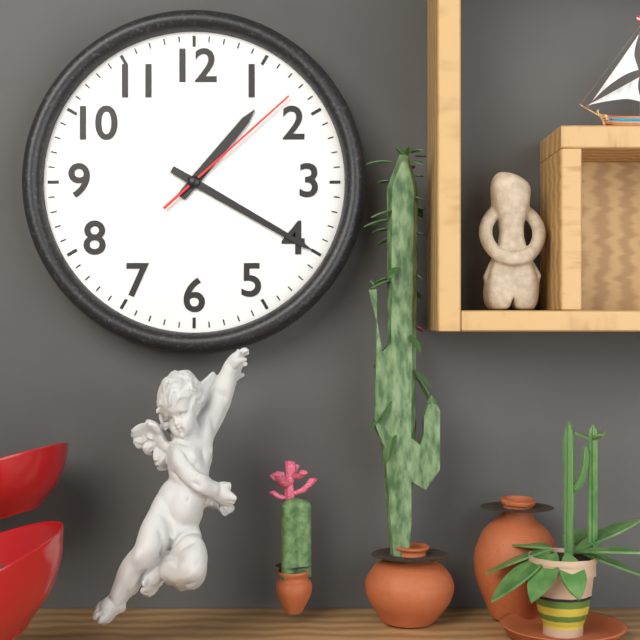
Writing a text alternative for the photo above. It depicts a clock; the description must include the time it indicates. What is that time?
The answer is 1:20:08
